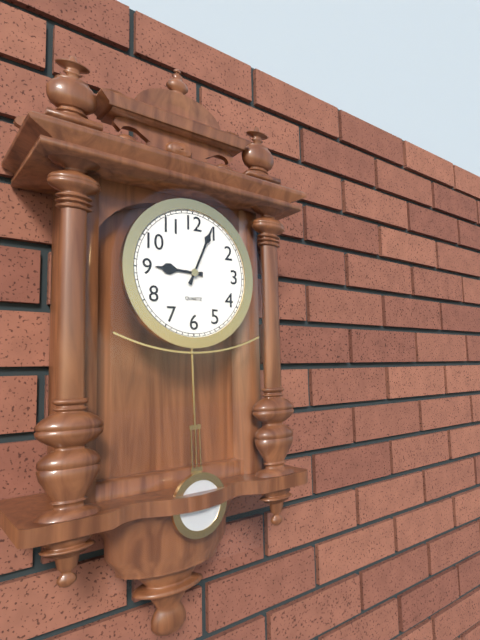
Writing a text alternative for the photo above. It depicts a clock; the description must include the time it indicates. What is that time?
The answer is 9:04
